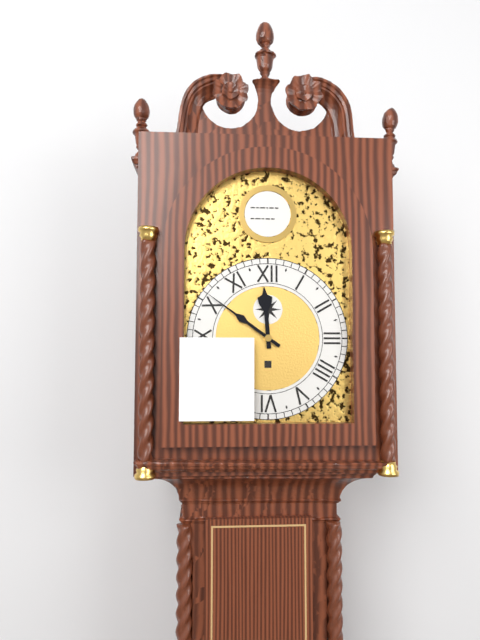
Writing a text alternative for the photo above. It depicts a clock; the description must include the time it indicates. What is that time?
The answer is 11:51
